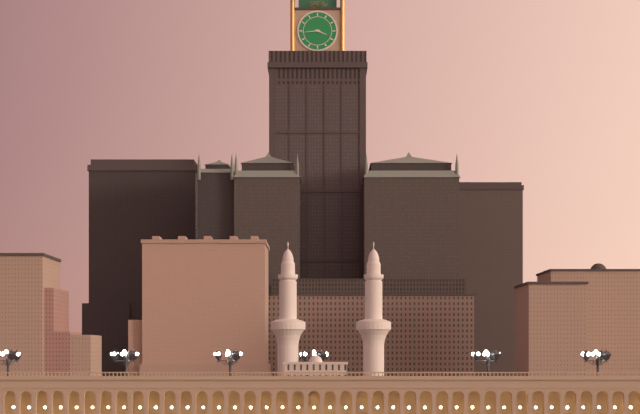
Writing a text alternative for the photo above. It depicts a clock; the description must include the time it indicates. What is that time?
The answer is 3:44
